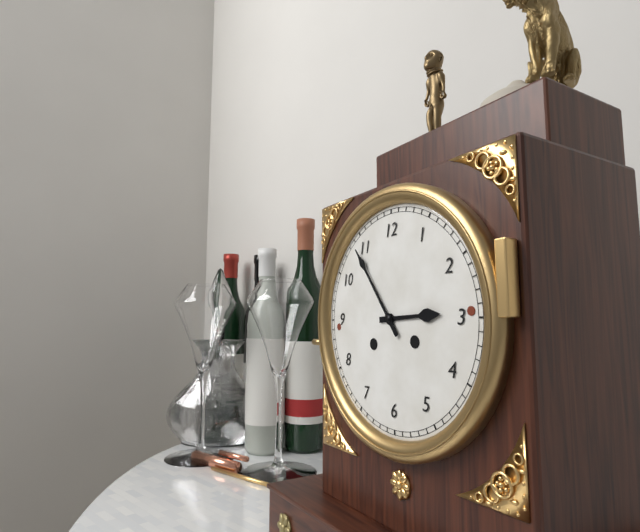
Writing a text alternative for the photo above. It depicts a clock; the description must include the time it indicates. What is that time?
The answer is 2:54
